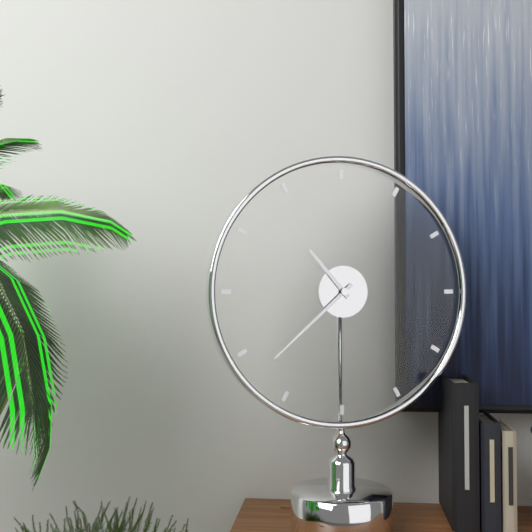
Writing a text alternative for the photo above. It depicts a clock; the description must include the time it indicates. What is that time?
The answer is 10:38
